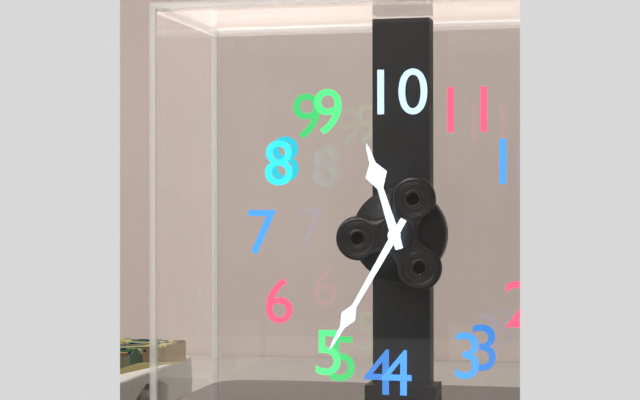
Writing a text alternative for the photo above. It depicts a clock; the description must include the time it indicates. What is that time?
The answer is 9:25
